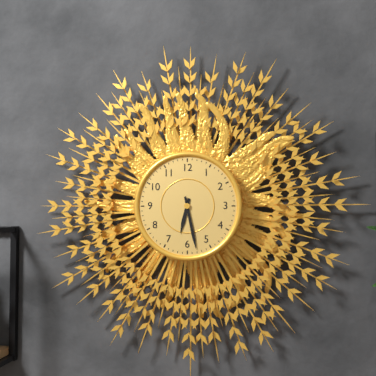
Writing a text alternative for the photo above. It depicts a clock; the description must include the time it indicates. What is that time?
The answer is 6:28
